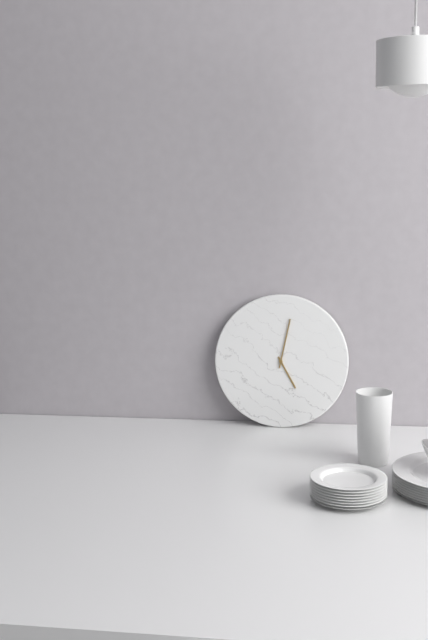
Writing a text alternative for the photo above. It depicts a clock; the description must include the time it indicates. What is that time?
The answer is 5:02
